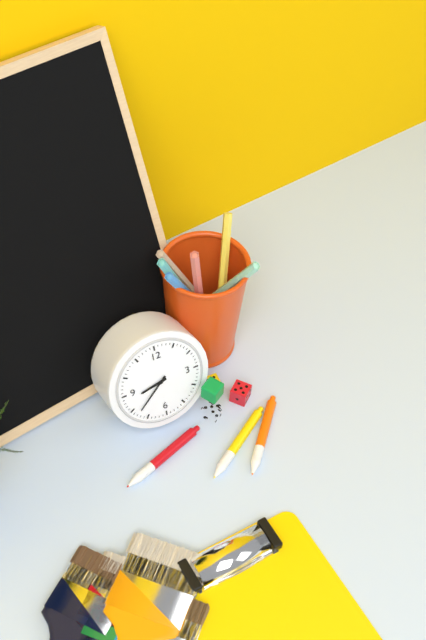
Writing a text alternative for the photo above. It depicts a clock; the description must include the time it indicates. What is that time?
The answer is 8:38
